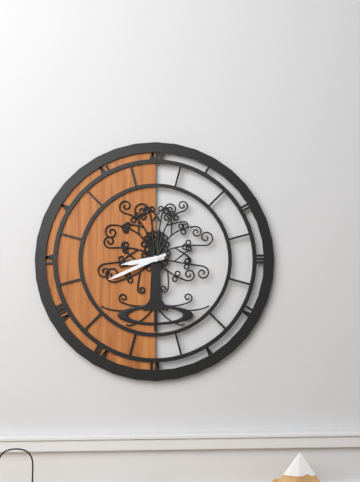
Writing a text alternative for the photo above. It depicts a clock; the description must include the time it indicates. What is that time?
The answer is 8:41
